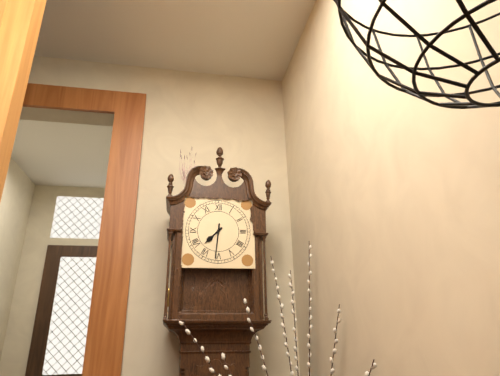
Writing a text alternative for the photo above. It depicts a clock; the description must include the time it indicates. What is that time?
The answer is 7:31
